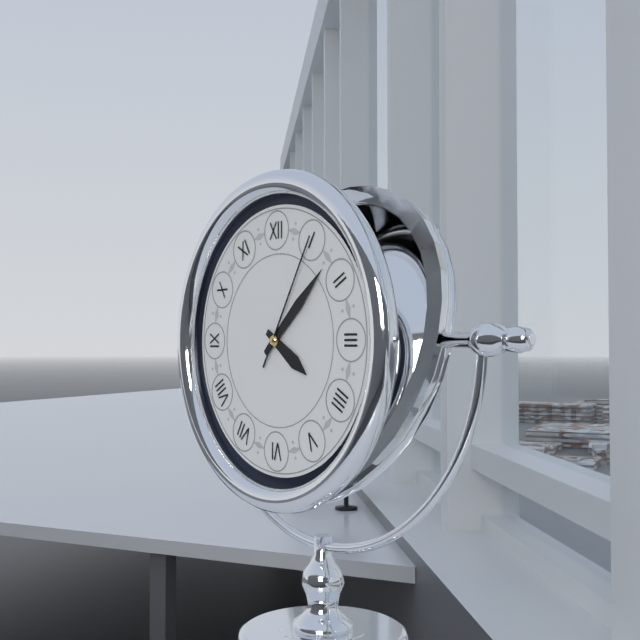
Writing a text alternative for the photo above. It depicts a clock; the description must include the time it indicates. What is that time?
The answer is 4:08:05
